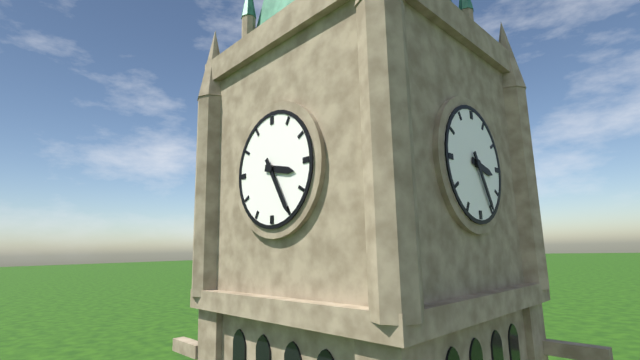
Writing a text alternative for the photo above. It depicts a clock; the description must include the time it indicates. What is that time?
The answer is 3:25
